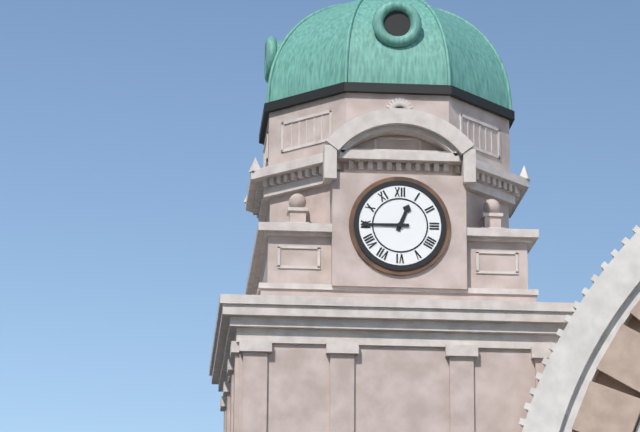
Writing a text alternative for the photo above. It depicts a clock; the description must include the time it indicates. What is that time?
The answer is 12:45
